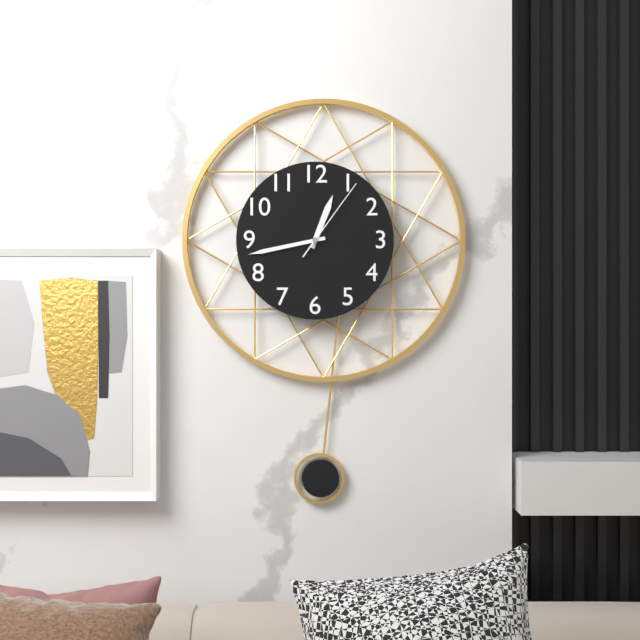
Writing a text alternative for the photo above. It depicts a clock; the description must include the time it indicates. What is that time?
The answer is 12:43:06
